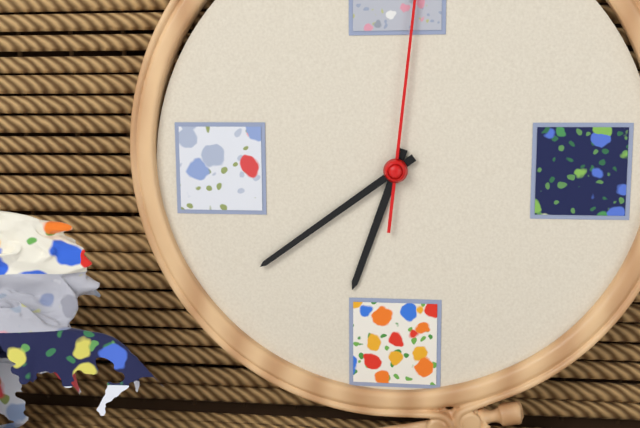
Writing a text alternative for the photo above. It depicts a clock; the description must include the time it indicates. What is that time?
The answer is 6:39
